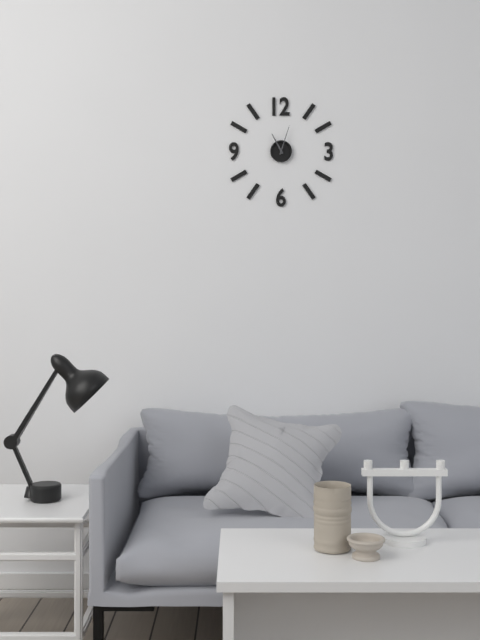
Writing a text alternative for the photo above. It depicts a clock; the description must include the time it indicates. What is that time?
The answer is 11:03
